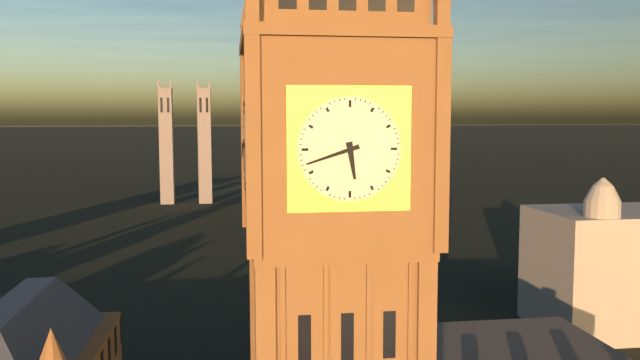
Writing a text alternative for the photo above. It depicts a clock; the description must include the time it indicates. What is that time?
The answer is 5:42
